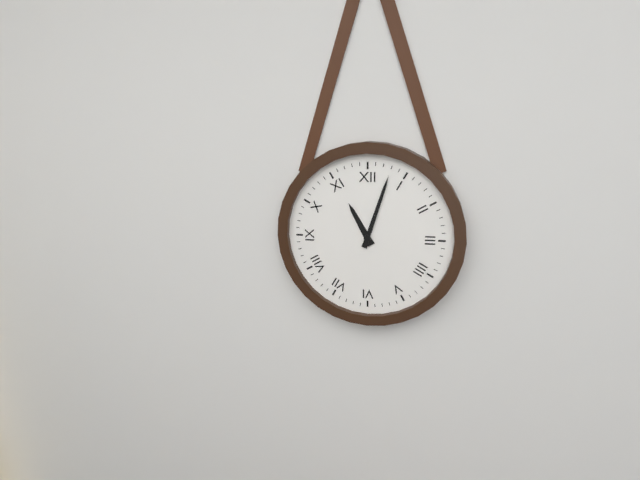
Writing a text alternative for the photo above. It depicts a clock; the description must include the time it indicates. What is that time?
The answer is 11:03
